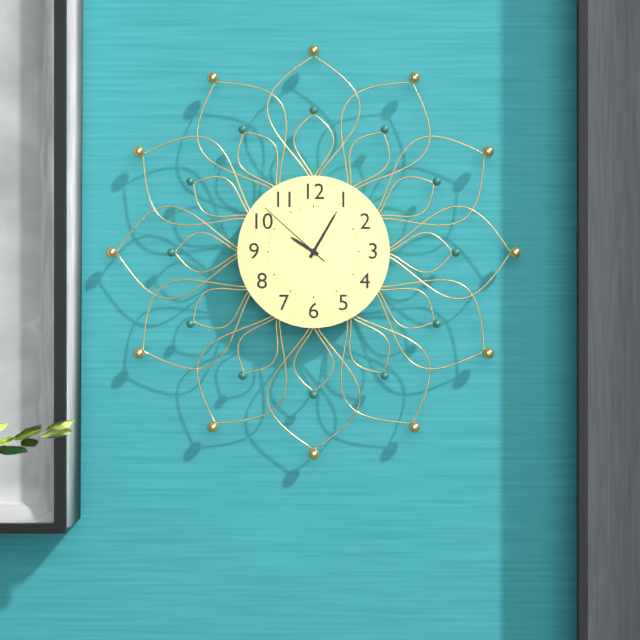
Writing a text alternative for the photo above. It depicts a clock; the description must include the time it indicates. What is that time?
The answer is 10:05:52
